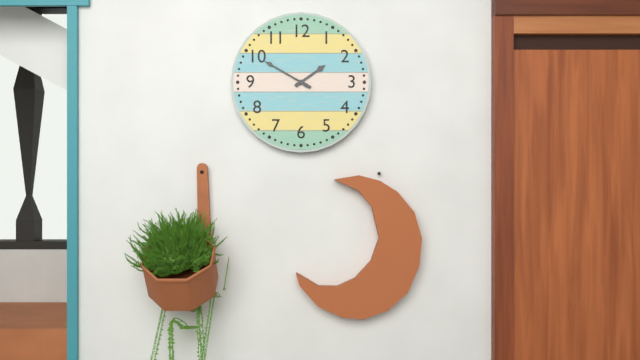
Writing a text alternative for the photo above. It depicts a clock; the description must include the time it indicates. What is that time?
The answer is 1:50
